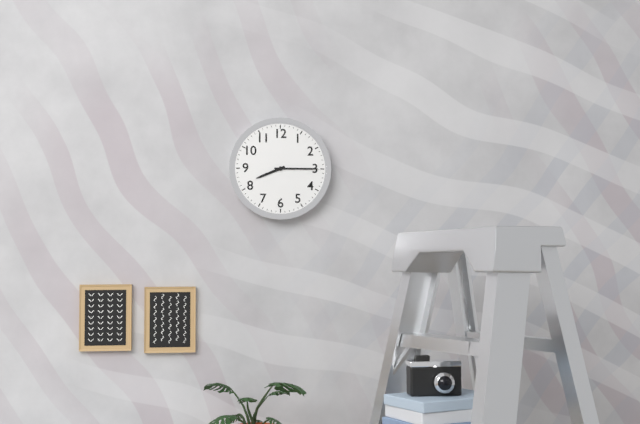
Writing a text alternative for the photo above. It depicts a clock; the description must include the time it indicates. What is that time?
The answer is 8:15
